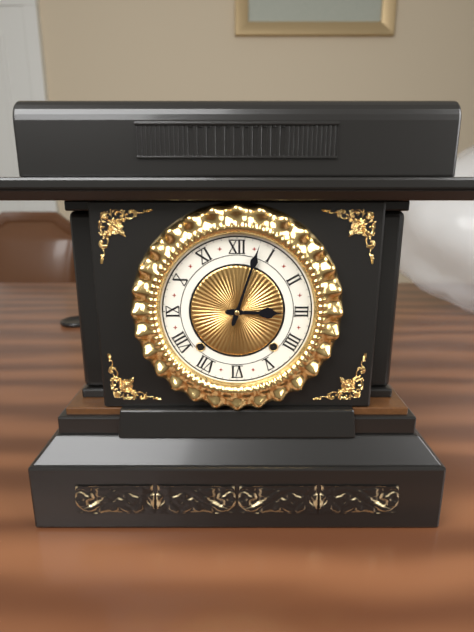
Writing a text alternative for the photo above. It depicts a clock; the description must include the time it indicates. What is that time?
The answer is 3:03
